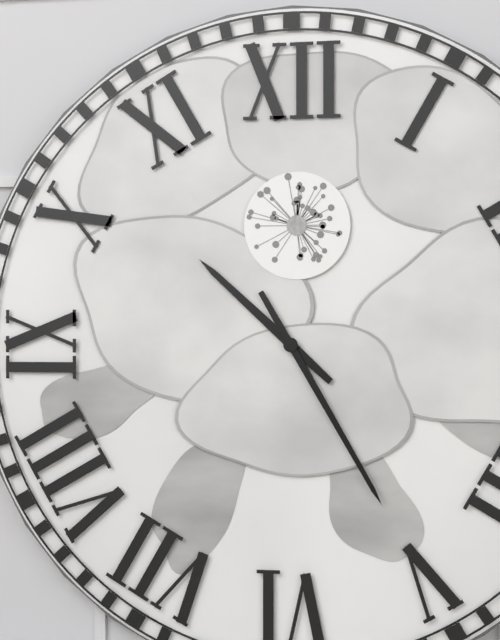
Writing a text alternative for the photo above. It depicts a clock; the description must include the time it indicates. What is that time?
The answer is 10:25
